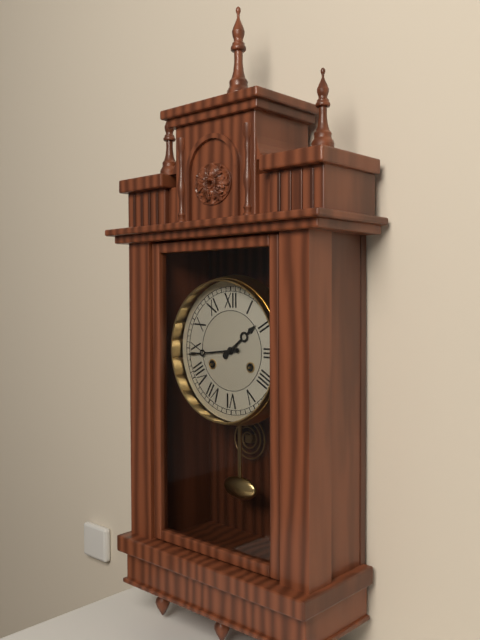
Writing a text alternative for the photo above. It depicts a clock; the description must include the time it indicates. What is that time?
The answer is 1:44
